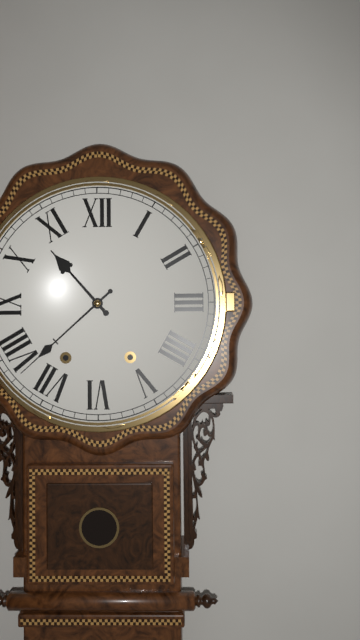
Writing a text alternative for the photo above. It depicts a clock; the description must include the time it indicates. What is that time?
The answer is 10:38
